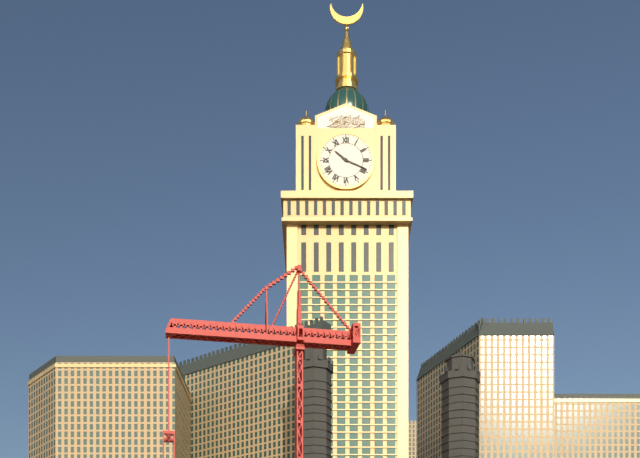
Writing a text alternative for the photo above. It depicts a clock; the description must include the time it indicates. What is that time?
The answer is 10:19
